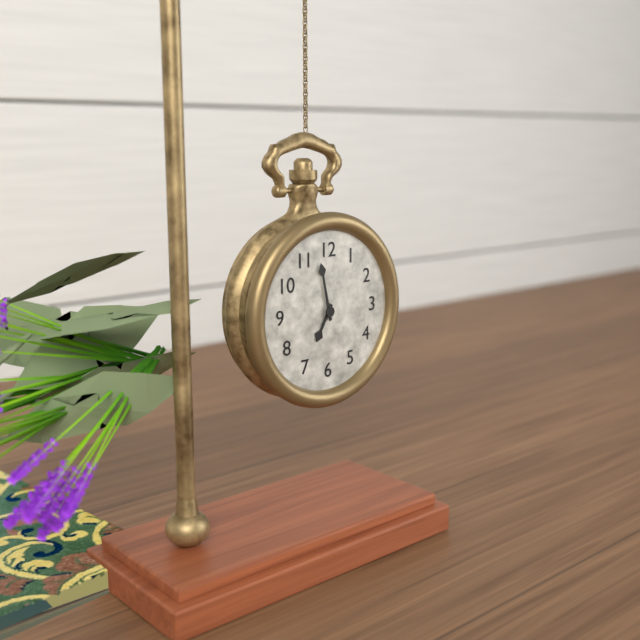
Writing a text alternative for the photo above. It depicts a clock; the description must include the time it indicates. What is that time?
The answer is 6:58
